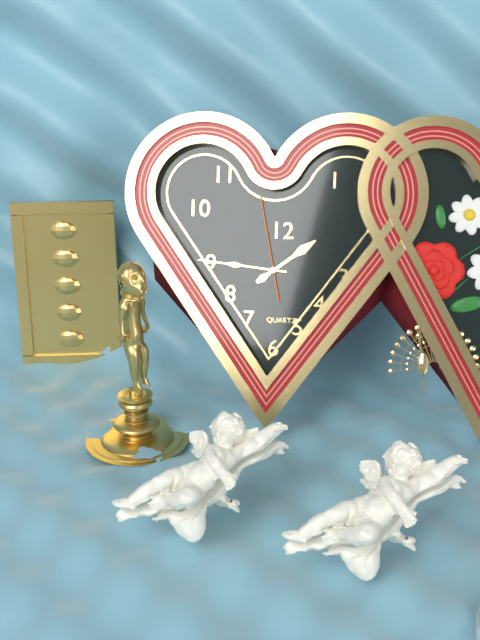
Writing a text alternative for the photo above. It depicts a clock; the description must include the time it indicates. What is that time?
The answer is 1:46:58
